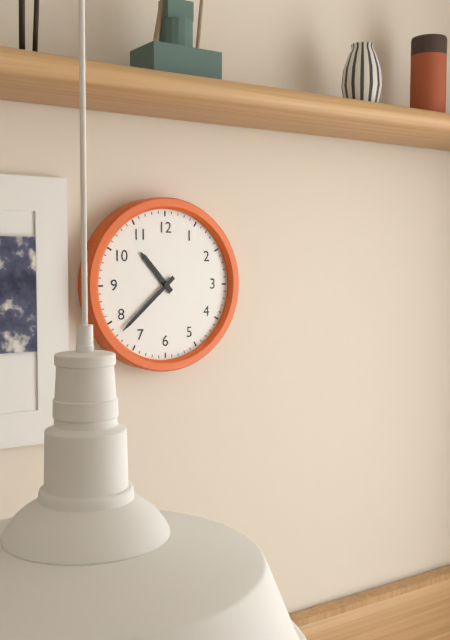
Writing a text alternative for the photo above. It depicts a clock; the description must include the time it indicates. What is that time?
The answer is 10:38
